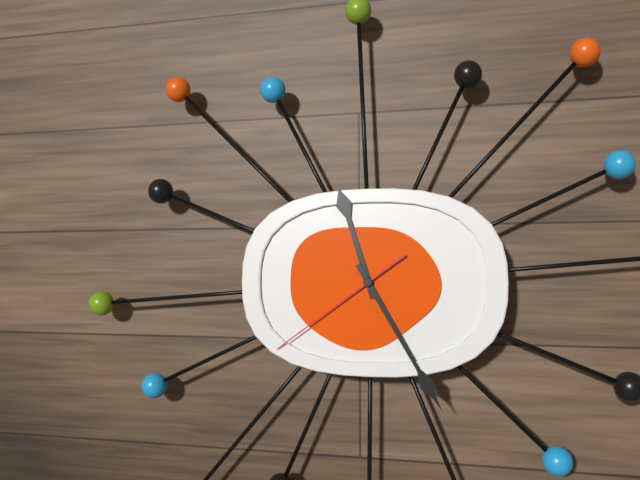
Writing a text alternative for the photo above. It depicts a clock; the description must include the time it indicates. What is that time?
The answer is 11:25:39
